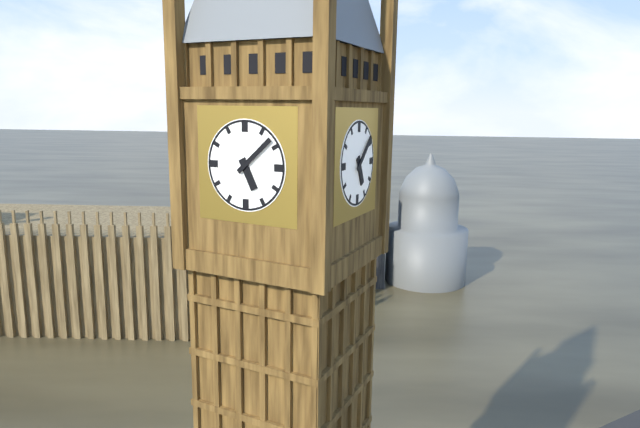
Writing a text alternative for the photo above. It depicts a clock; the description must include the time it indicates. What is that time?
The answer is 5:08
